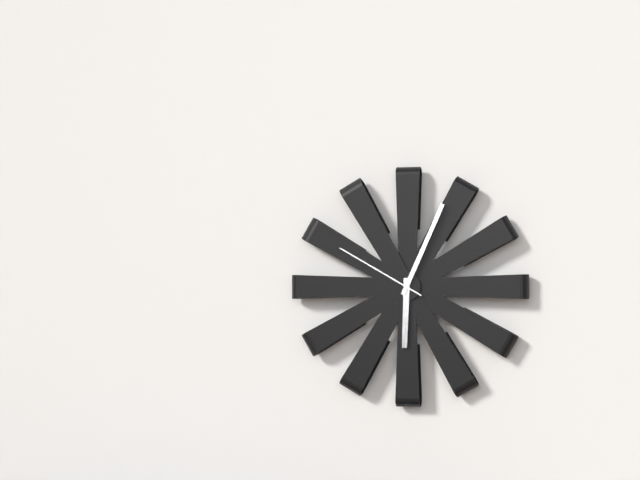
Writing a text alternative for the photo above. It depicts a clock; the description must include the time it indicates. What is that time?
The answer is 6:04:50
